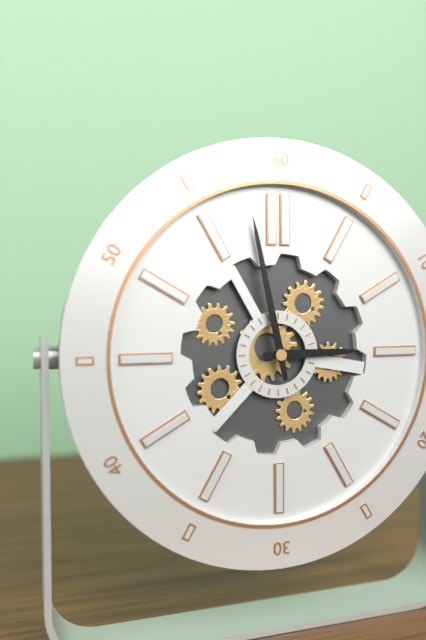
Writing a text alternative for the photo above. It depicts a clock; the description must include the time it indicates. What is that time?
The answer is 2:58
